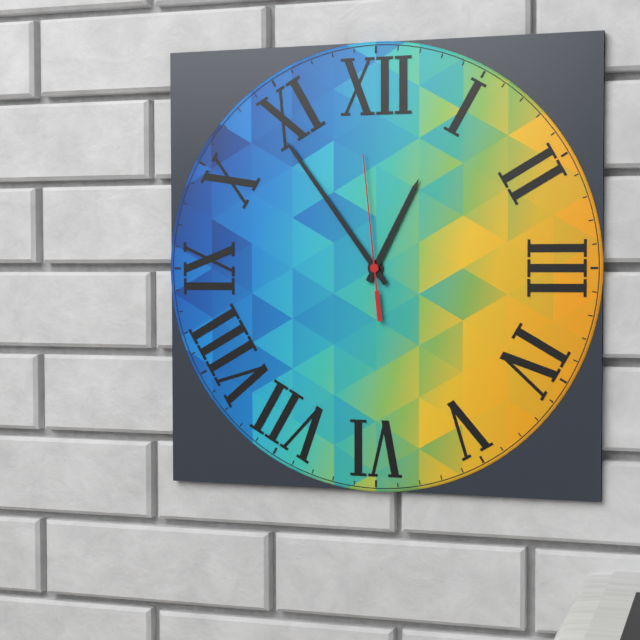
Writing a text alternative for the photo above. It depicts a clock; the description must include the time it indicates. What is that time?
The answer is 12:54:59
